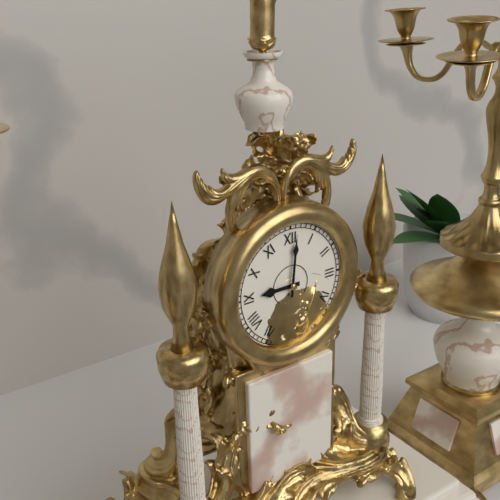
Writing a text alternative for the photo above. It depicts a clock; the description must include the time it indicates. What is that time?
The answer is 9:01
